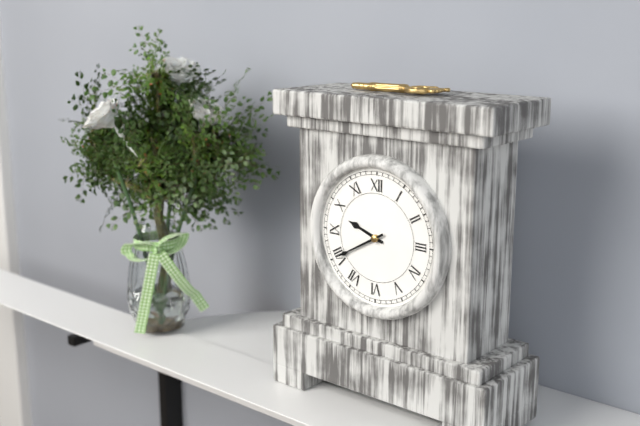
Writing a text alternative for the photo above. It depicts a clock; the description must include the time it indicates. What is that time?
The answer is 9:40
